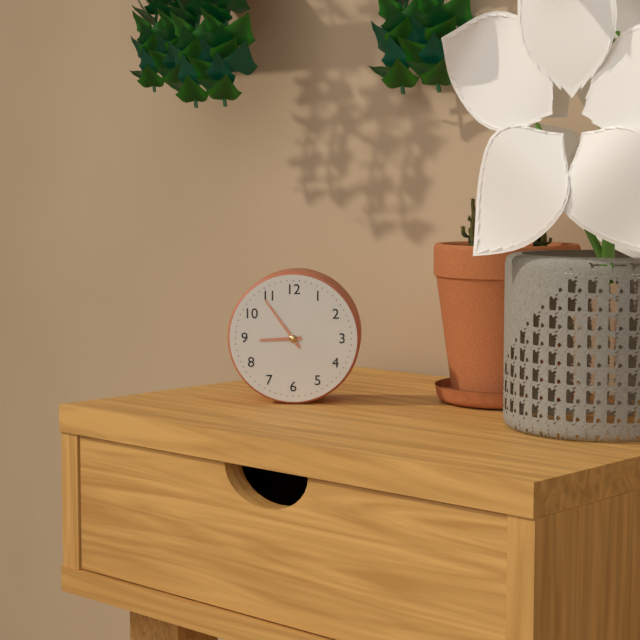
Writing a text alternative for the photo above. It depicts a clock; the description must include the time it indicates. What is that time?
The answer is 8:54
